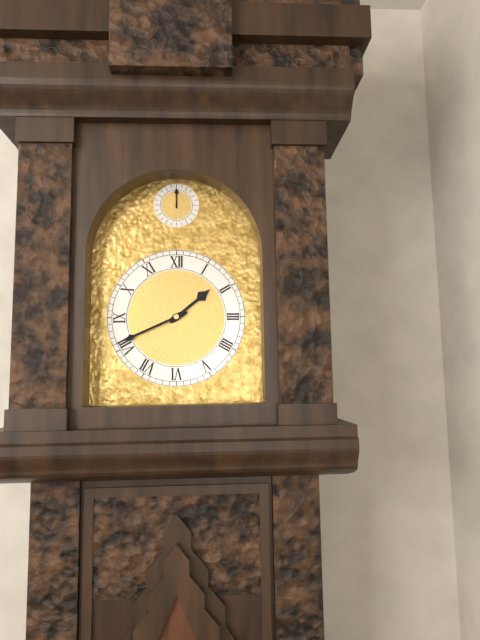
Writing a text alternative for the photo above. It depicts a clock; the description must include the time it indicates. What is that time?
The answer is 1:41
